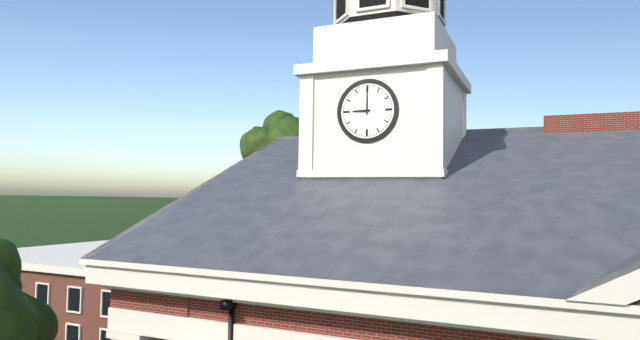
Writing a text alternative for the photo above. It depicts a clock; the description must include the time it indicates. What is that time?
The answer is 9:00
